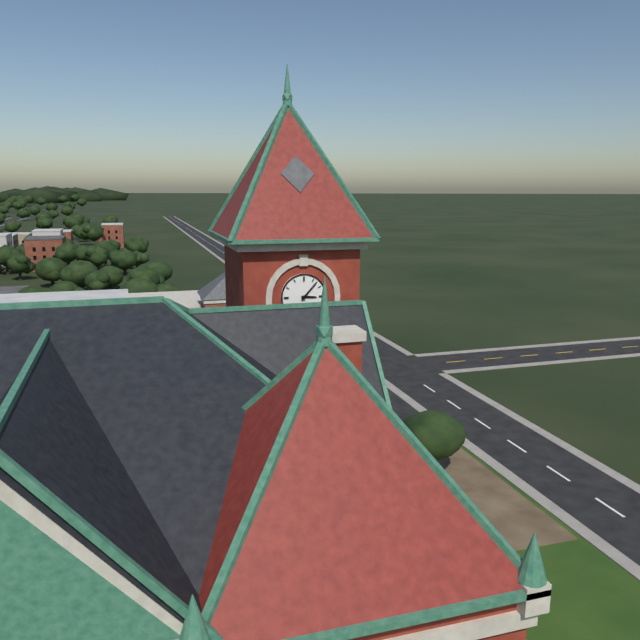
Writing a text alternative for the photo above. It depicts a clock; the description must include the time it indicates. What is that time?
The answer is 3:07
